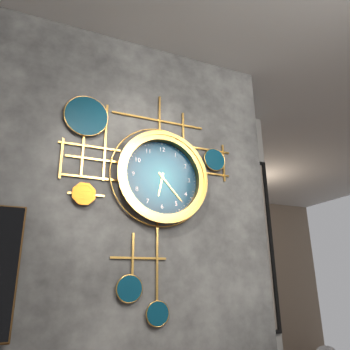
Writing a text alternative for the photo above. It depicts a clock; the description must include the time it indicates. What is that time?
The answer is 6:23
